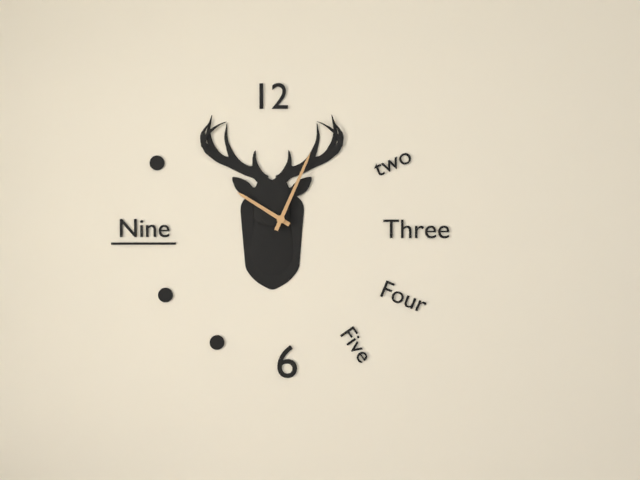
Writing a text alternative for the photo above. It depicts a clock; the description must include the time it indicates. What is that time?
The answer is 10:04
